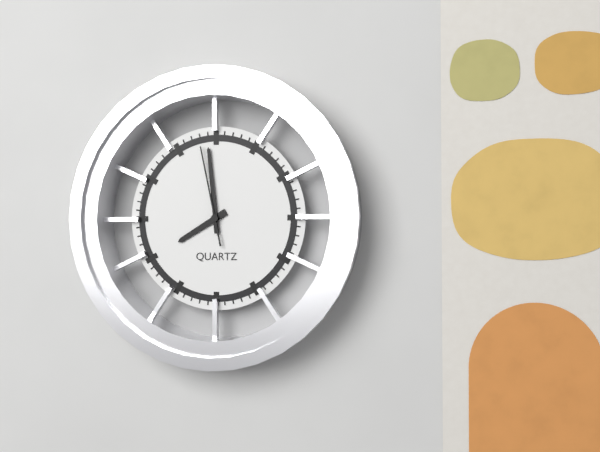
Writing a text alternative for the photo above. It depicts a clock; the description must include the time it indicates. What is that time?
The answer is 7:59:58
